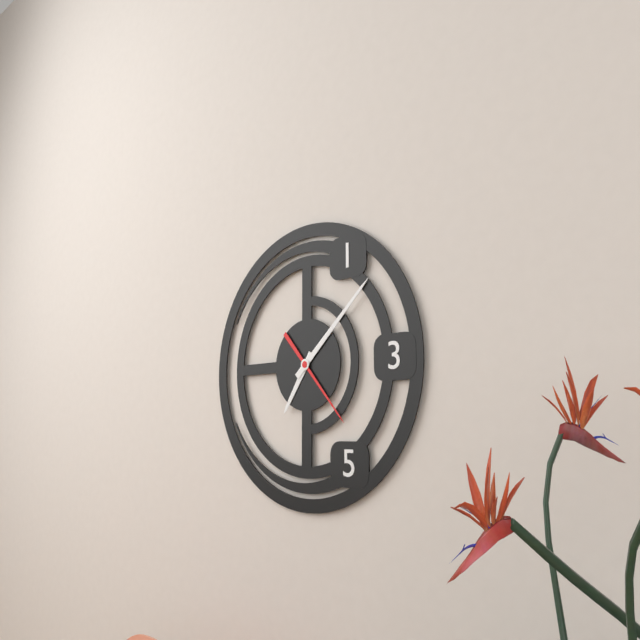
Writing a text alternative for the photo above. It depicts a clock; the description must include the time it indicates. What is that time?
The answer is 7:08:23
